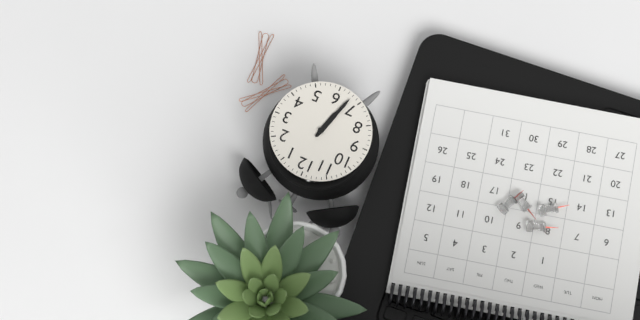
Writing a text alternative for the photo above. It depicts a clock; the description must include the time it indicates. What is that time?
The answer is 6:33
